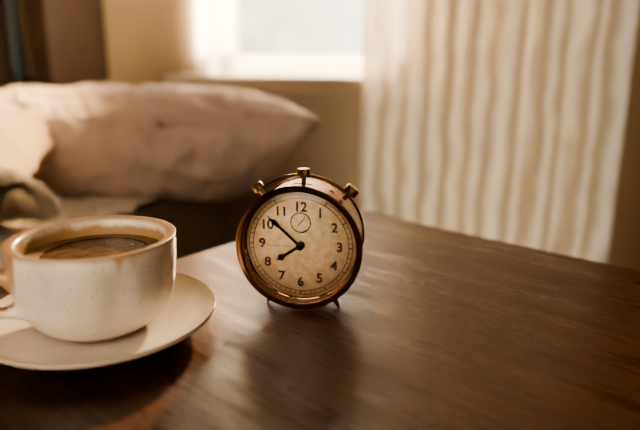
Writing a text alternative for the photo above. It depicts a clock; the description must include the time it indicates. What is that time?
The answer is 7:52:45
